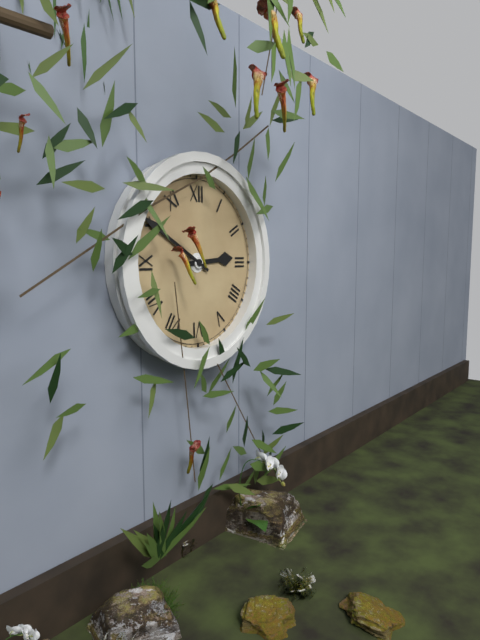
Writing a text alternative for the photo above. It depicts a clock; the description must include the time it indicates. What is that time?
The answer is 2:50
